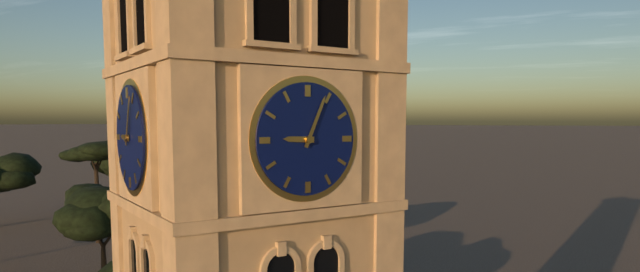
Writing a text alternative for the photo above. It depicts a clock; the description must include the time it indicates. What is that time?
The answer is 9:04
